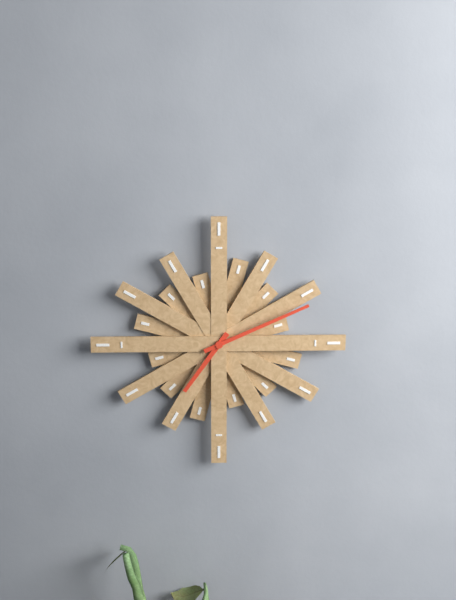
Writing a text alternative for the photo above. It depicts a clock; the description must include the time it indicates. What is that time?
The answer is 7:11
